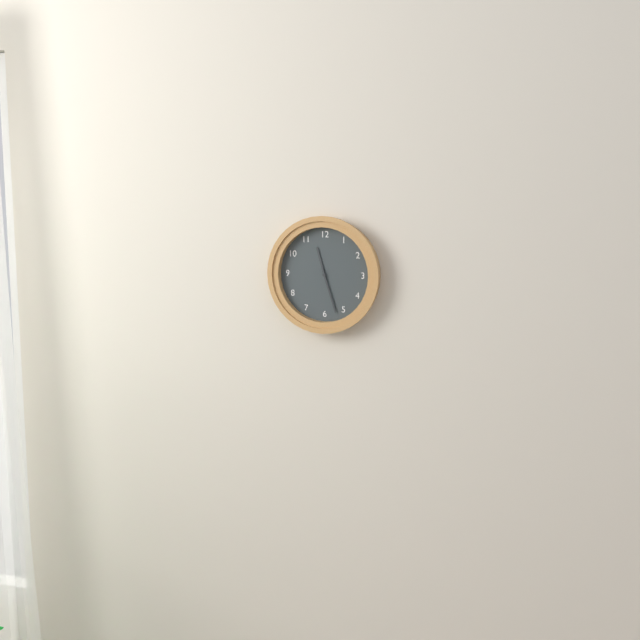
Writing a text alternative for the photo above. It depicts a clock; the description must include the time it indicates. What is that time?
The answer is 11:27
